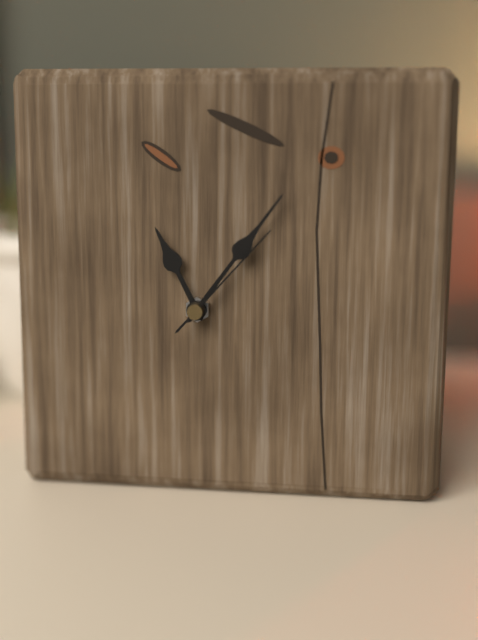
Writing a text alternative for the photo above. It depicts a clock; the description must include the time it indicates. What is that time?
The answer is 11:06:07
